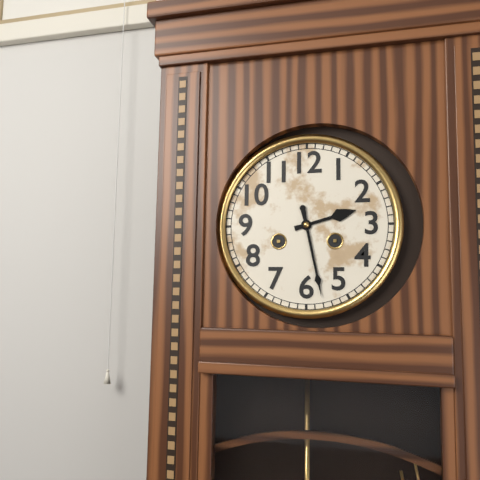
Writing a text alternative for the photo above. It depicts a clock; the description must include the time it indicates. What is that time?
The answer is 2:28
